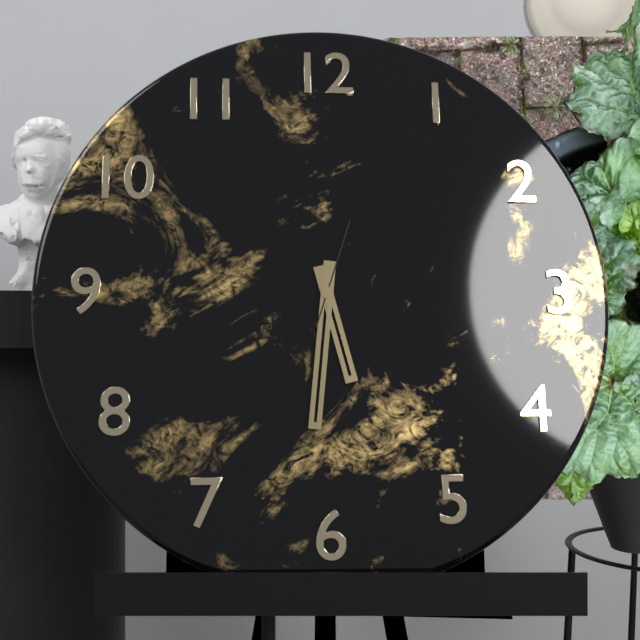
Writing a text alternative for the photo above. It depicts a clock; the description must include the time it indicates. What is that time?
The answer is 5:31:03
